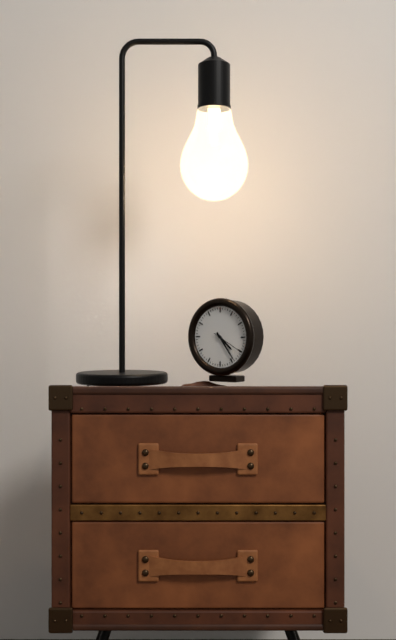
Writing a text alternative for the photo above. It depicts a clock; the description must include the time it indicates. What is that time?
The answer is 4:24
